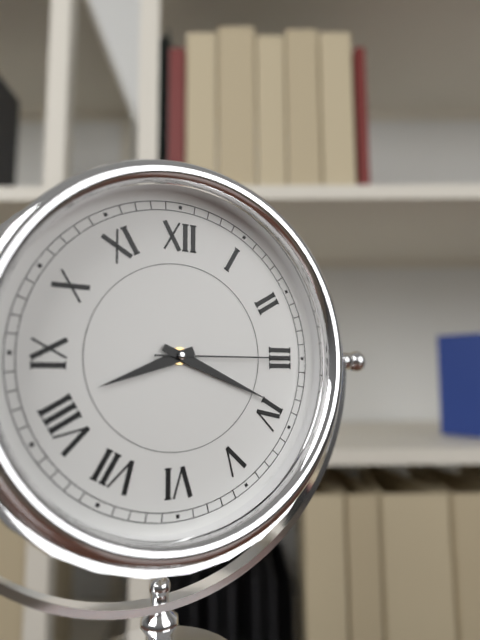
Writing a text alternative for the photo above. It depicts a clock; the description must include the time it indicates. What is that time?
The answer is 8:19:15
